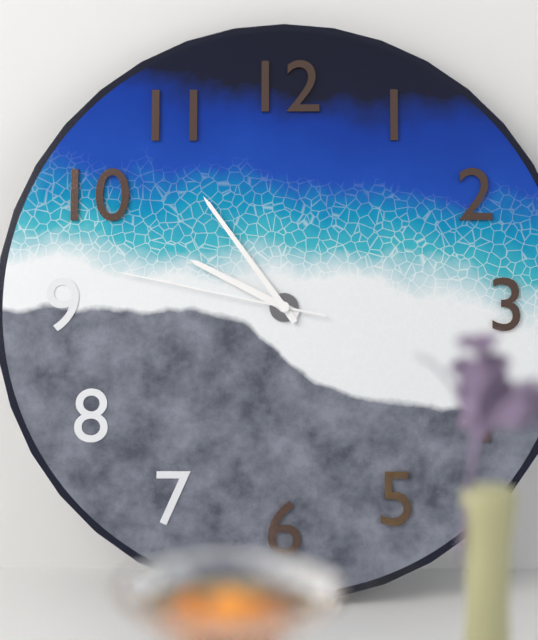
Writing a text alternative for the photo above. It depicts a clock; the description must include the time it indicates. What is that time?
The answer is 9:54:47
